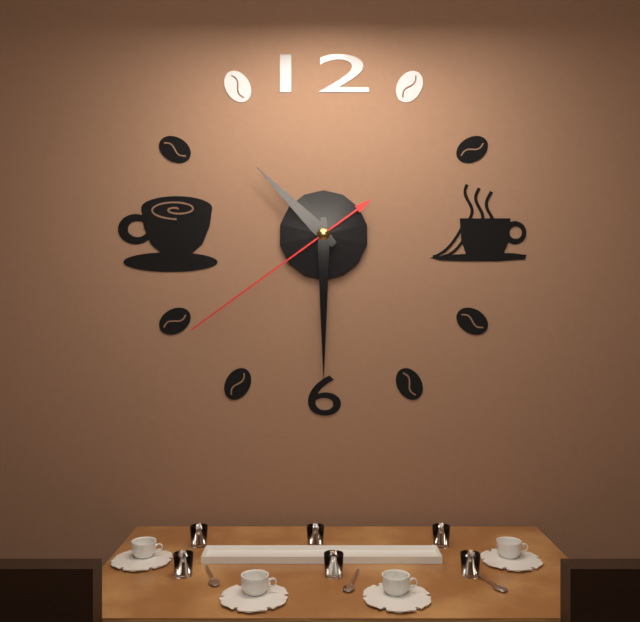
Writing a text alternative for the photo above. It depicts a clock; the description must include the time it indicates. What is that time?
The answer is 10:30:39
